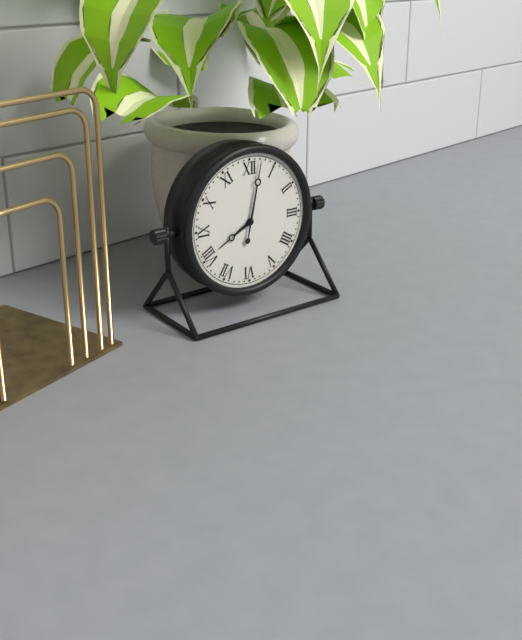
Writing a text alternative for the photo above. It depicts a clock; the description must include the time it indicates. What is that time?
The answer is 8:02
